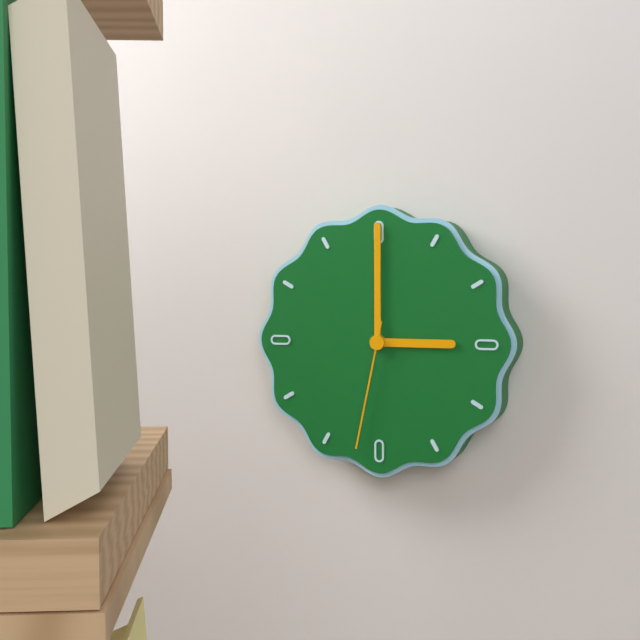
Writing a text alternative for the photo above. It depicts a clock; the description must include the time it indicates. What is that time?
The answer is 3:00:32
